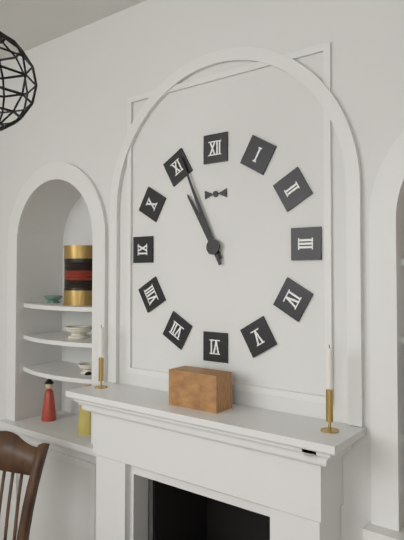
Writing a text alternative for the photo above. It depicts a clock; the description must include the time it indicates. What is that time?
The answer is 10:56
